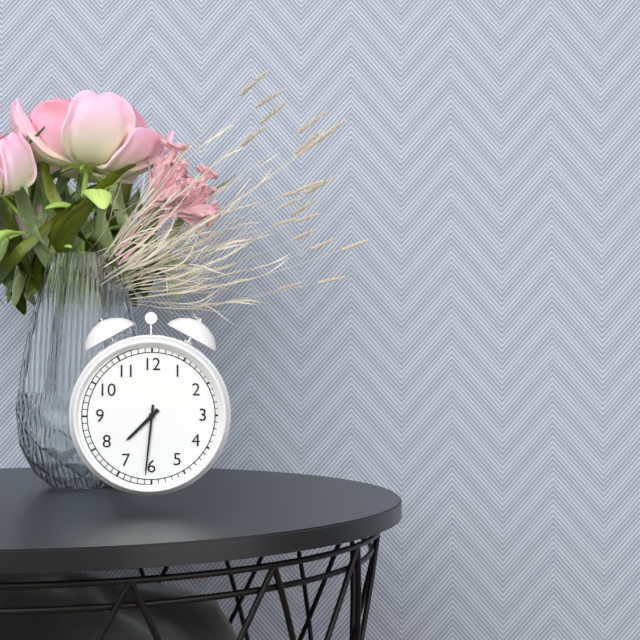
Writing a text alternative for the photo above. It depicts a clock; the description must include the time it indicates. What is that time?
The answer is 7:31
